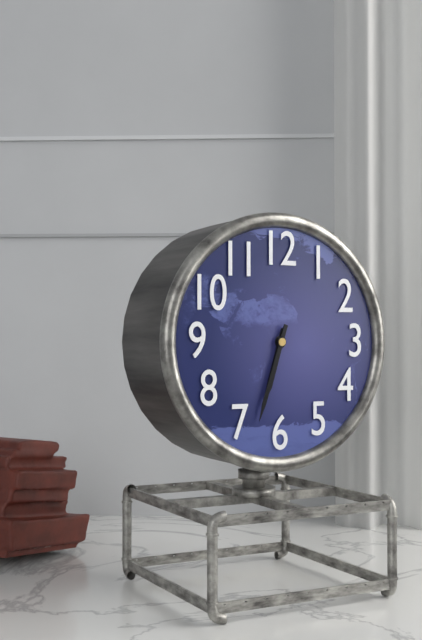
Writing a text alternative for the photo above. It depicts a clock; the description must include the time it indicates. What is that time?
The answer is 6:33
